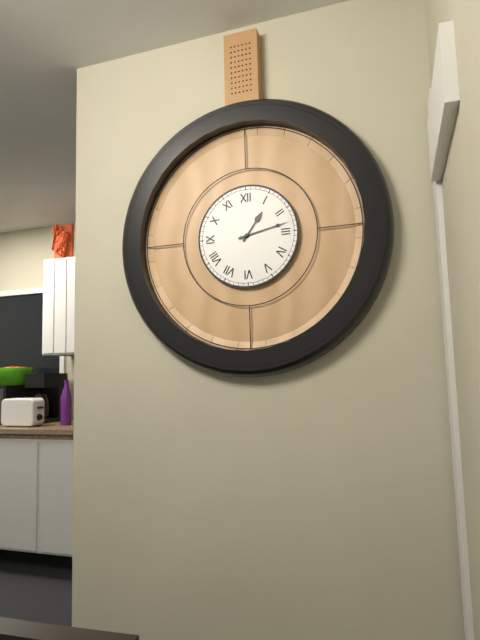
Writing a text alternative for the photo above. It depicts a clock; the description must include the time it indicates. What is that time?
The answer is 1:13
